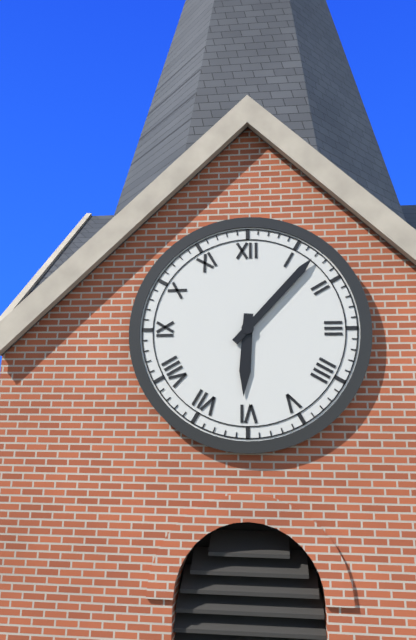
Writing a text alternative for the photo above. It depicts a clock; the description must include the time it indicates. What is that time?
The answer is 6:07
